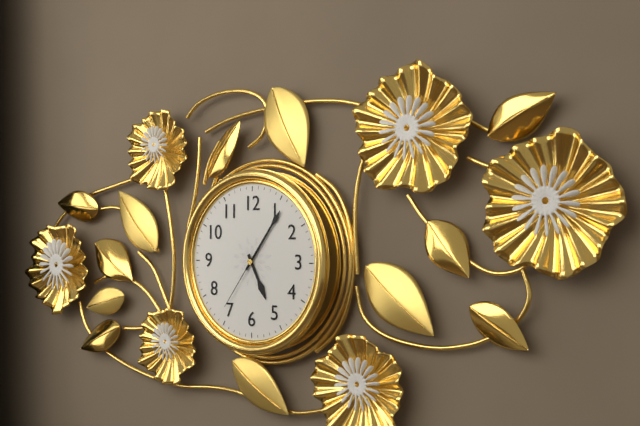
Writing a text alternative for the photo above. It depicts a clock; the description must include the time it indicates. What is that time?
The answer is 5:06:36
